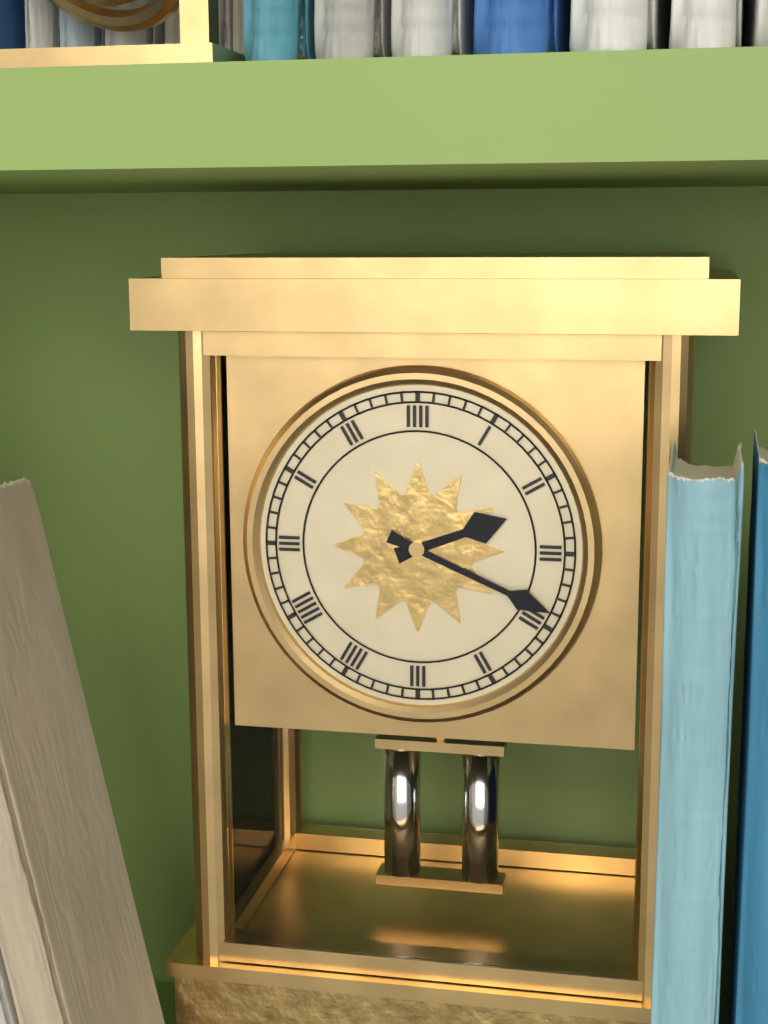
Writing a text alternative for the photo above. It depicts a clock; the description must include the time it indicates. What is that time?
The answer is 2:19
